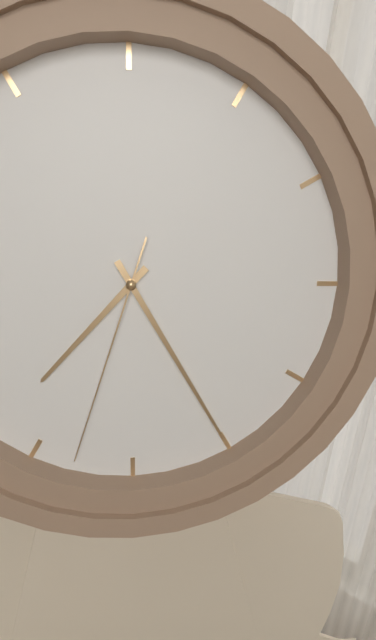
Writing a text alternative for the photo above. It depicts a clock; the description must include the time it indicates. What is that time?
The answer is 7:25:33
